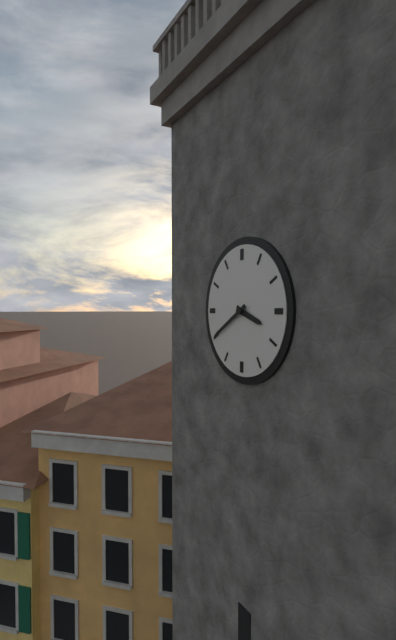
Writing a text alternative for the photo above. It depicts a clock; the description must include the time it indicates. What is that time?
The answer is 3:40
